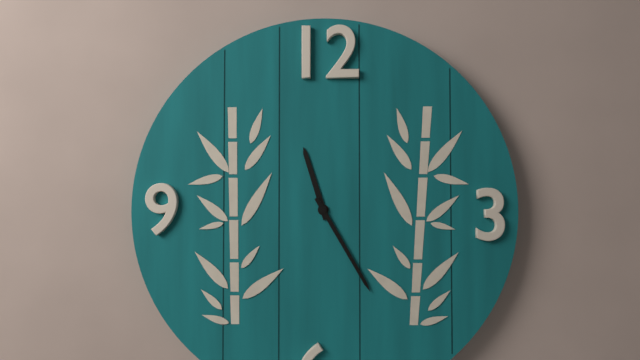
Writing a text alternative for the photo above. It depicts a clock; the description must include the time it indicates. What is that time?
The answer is 11:25
